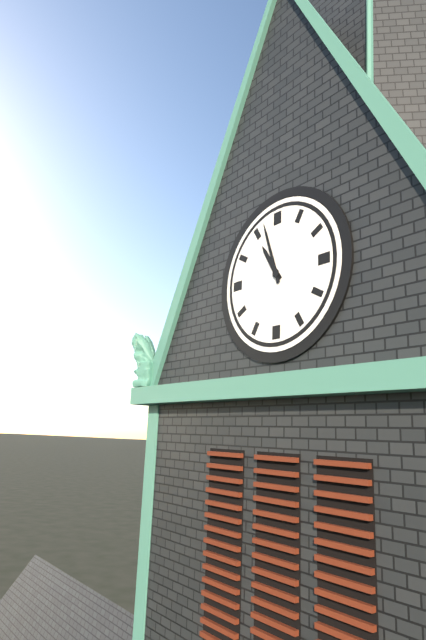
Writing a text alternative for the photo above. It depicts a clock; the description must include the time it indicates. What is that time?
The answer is 10:57
